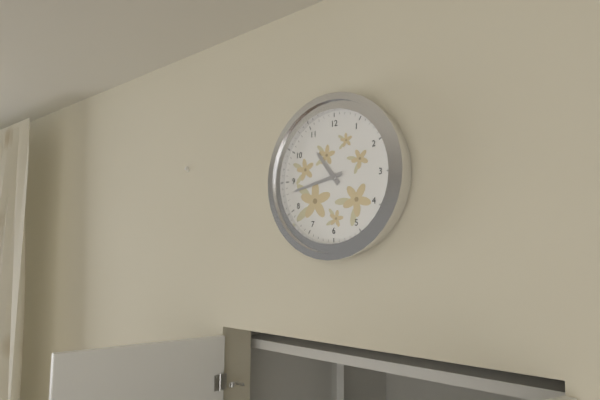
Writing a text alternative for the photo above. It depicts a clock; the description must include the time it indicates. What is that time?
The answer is 10:43
